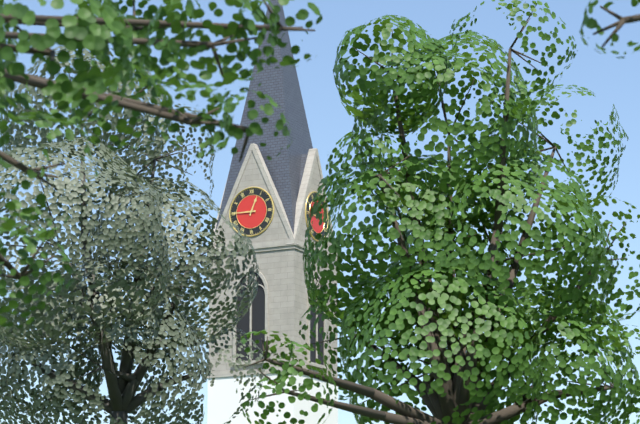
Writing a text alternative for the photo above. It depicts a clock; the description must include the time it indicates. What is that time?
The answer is 12:45
